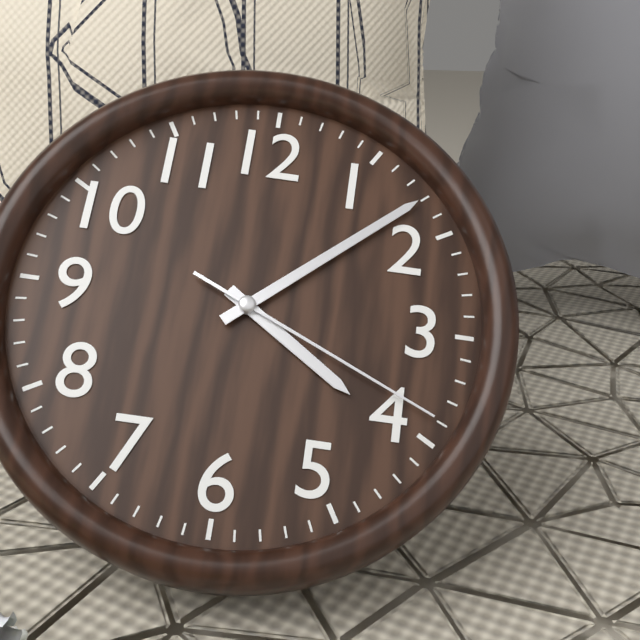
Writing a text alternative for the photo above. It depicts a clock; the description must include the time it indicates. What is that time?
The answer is 4:08:19
